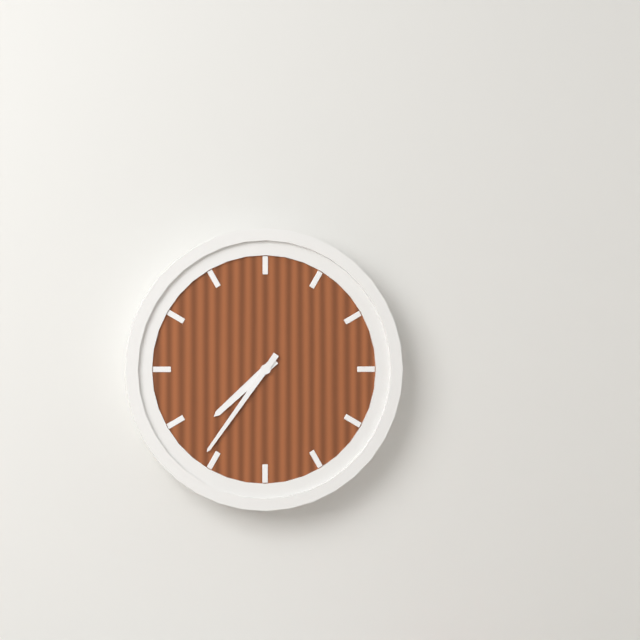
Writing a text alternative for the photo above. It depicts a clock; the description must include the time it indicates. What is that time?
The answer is 7:36
